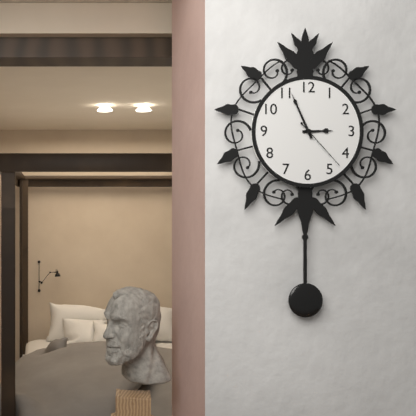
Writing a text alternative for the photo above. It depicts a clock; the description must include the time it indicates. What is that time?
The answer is 2:56:23
